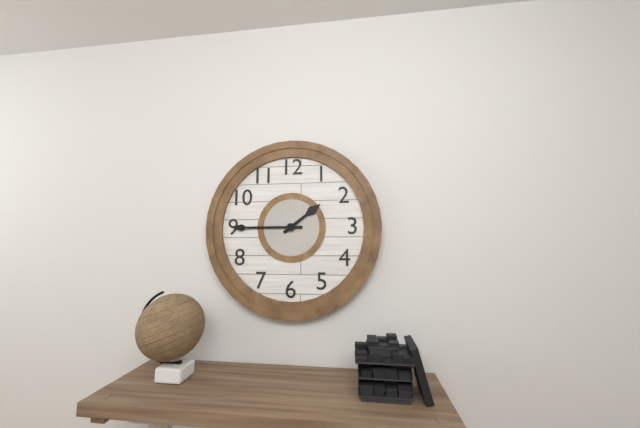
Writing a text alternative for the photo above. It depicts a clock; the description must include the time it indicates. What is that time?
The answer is 1:45
